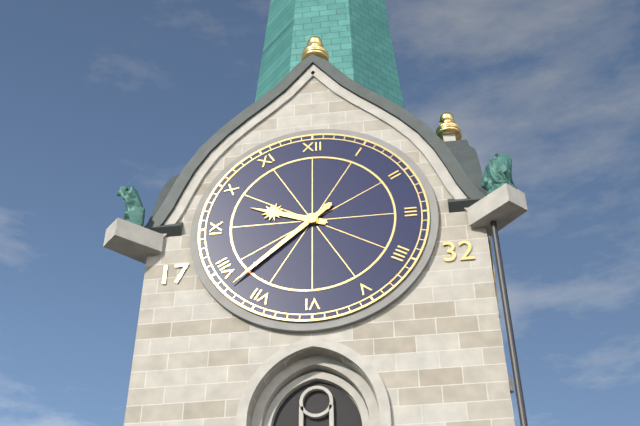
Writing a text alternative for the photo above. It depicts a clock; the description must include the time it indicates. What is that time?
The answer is 9:38
